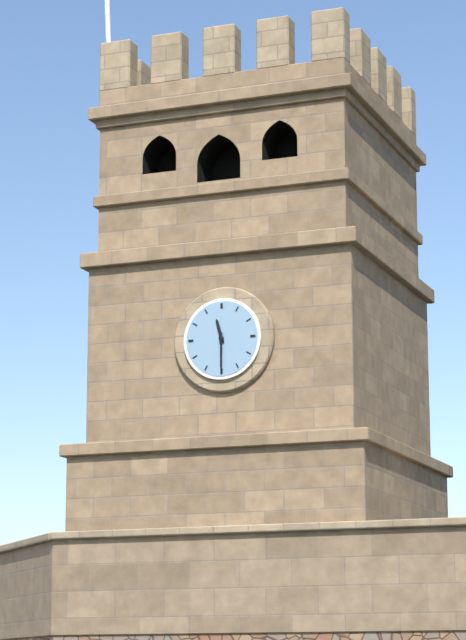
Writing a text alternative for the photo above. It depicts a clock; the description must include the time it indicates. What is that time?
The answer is 11:30
